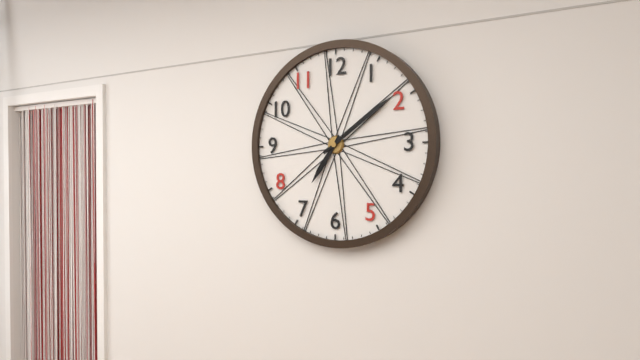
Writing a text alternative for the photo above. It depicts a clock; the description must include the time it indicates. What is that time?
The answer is 7:09
